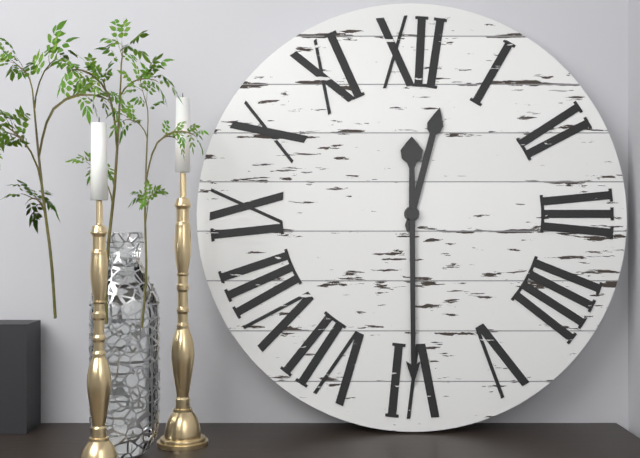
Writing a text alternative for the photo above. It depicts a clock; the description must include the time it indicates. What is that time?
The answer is 12:30
